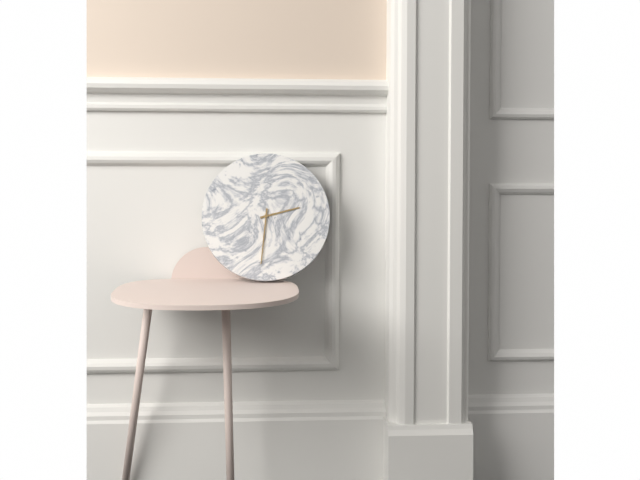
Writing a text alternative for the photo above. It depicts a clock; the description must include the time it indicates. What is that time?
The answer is 2:31
